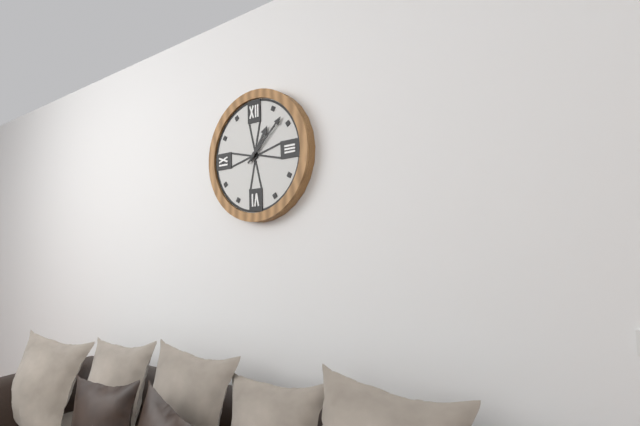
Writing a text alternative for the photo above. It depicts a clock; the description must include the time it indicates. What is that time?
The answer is 1:08
